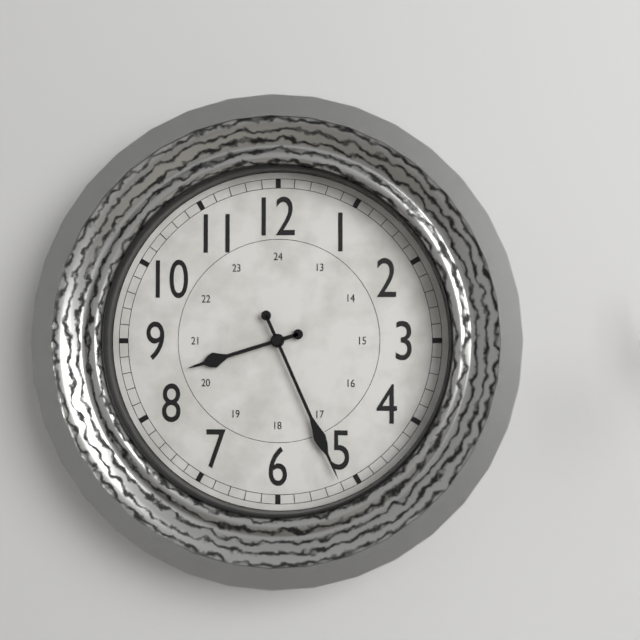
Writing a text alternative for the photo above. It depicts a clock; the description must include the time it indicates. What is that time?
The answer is 8:26
